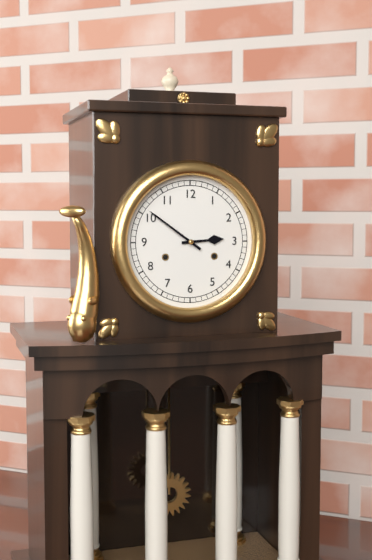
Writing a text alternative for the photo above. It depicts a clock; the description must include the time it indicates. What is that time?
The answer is 2:51
